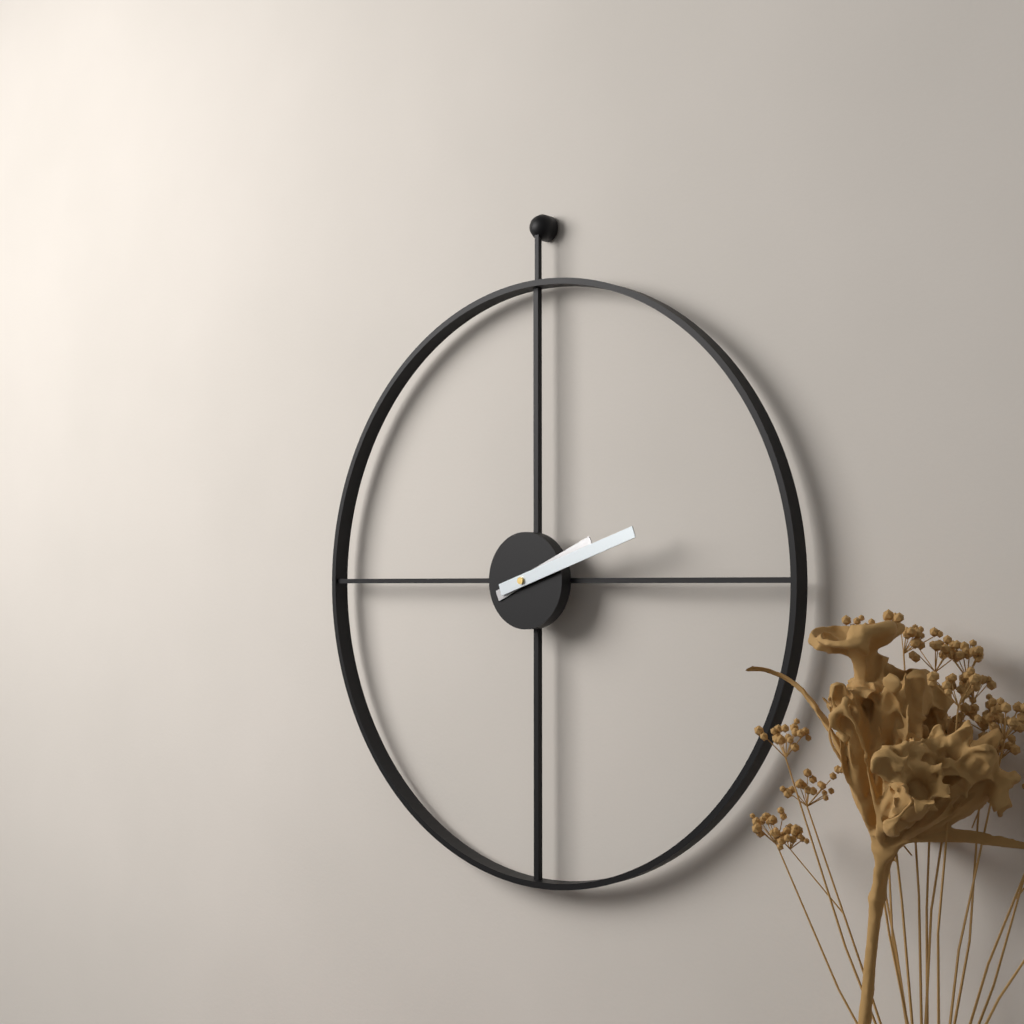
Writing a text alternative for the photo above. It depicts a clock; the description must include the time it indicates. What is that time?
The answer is 2:12
